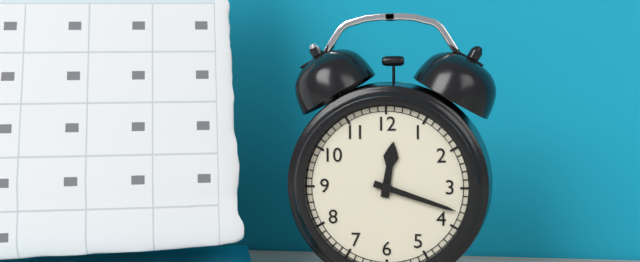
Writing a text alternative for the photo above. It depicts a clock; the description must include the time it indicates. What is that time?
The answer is 12:18
